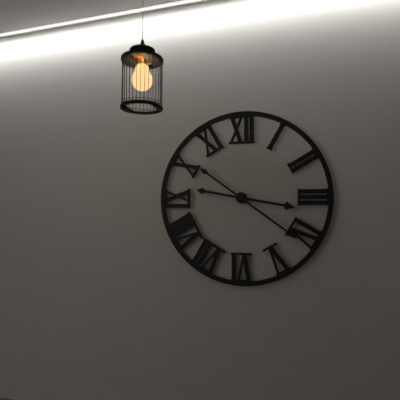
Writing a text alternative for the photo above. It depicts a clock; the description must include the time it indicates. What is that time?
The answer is 3:21
